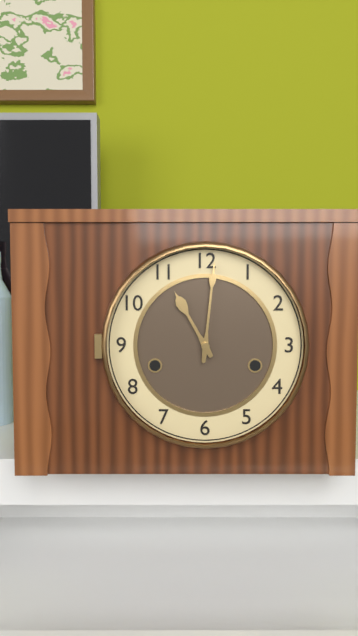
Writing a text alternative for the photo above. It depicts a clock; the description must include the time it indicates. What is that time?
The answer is 11:01
